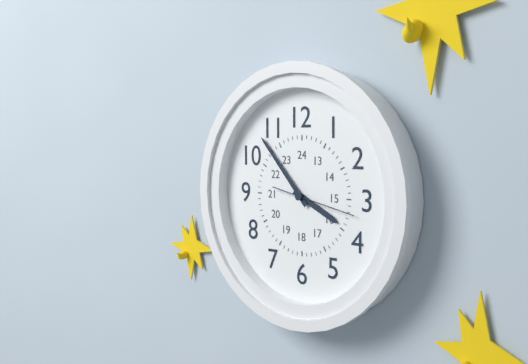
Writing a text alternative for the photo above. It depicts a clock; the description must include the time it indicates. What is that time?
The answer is 3:53:17
